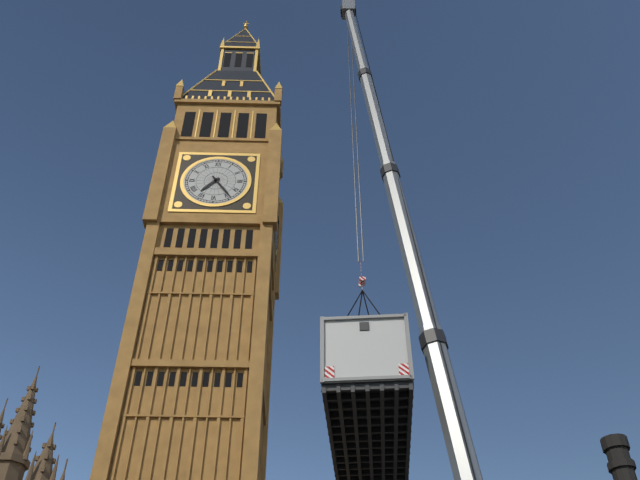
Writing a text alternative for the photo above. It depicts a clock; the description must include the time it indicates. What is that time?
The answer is 7:24
